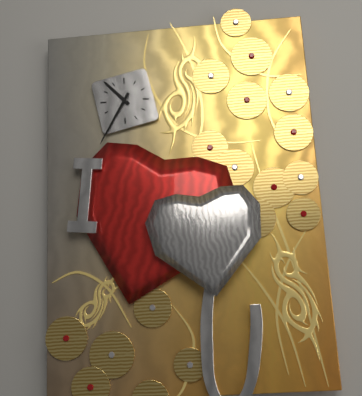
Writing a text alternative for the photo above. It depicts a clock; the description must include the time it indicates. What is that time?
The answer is 10:35
